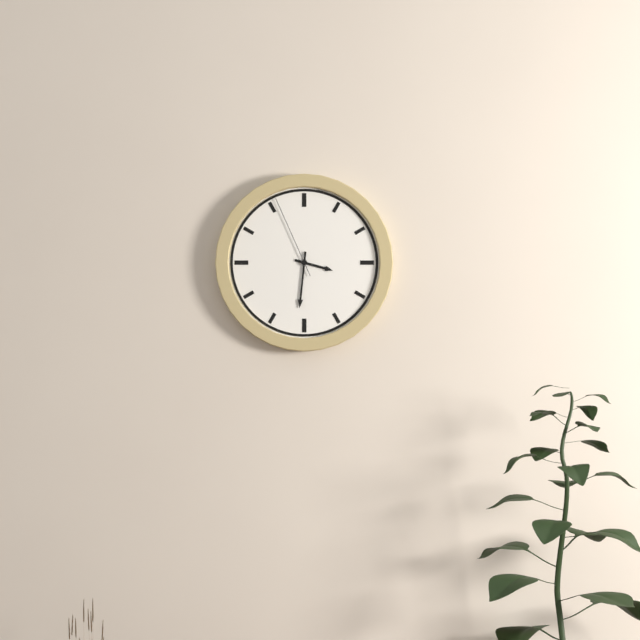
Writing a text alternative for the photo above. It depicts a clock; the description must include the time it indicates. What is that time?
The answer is 3:31:56
